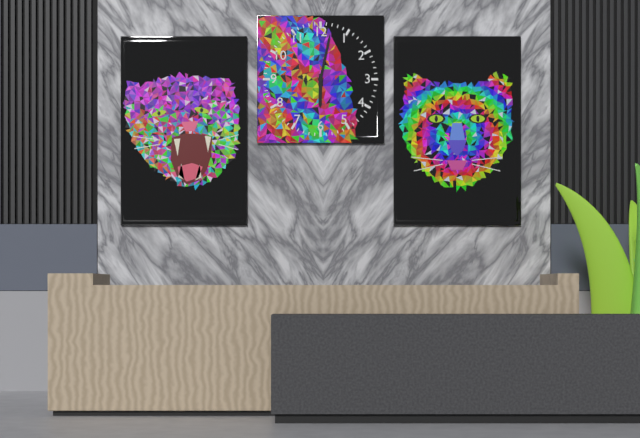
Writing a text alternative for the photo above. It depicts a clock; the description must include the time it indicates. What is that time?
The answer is 6:02
